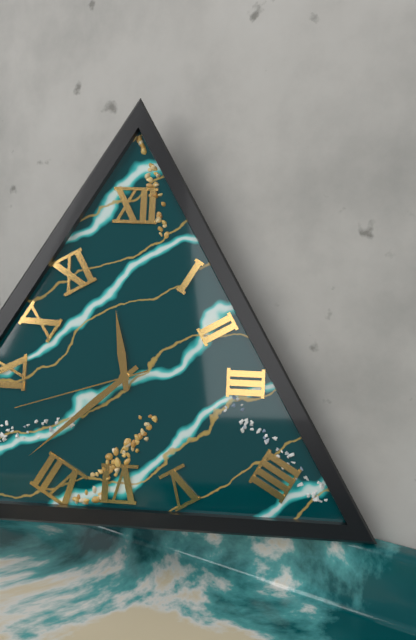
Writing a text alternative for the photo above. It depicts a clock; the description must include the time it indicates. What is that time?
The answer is 11:38:42
